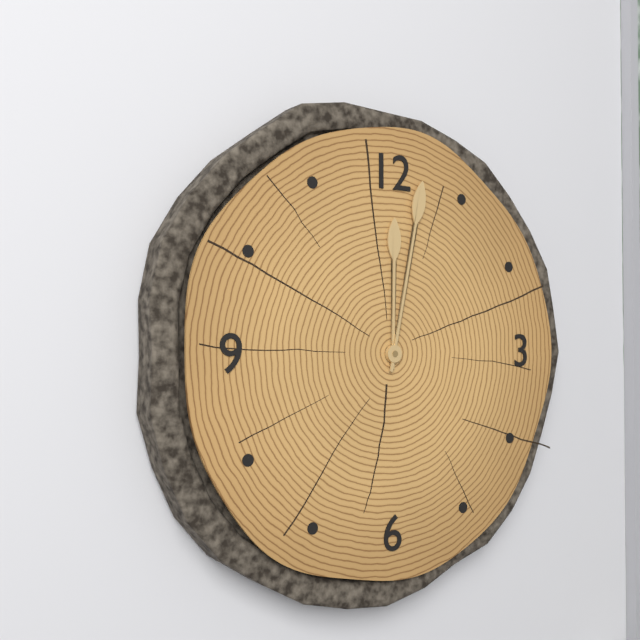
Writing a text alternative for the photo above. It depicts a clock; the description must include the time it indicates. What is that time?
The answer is 12:02
